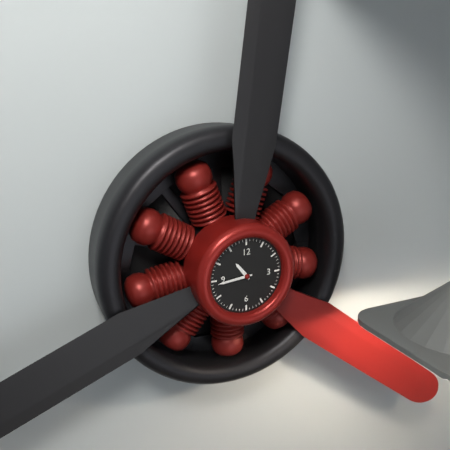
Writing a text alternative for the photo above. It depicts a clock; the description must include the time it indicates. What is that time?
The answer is 10:44
